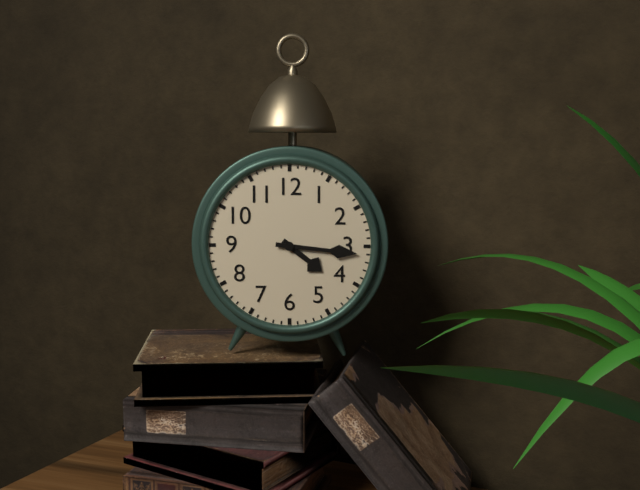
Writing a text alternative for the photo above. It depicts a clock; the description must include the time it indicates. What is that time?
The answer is 4:16
